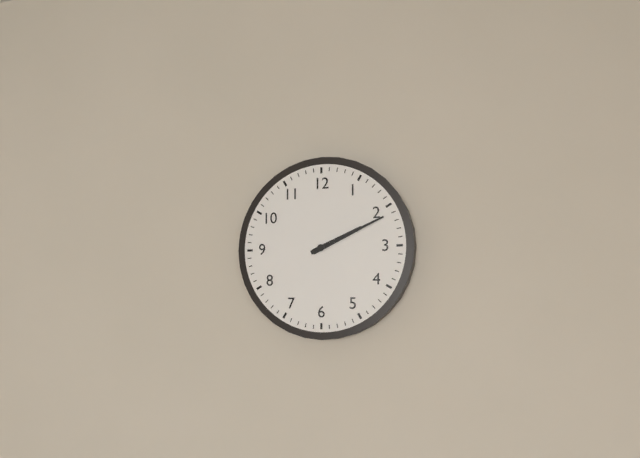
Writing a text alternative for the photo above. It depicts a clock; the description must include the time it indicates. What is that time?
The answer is 2:11
